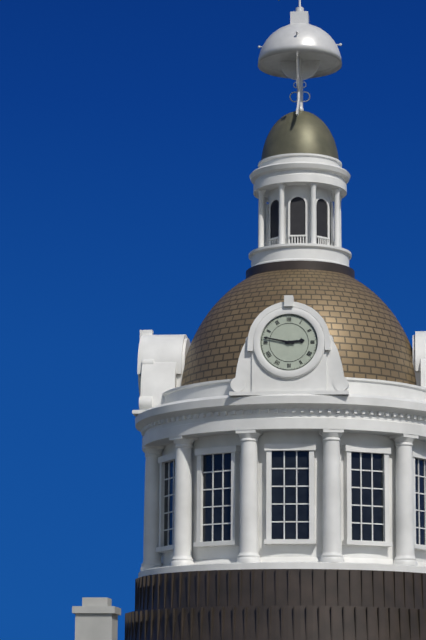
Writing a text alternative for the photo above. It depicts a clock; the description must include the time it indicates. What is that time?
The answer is 2:47
